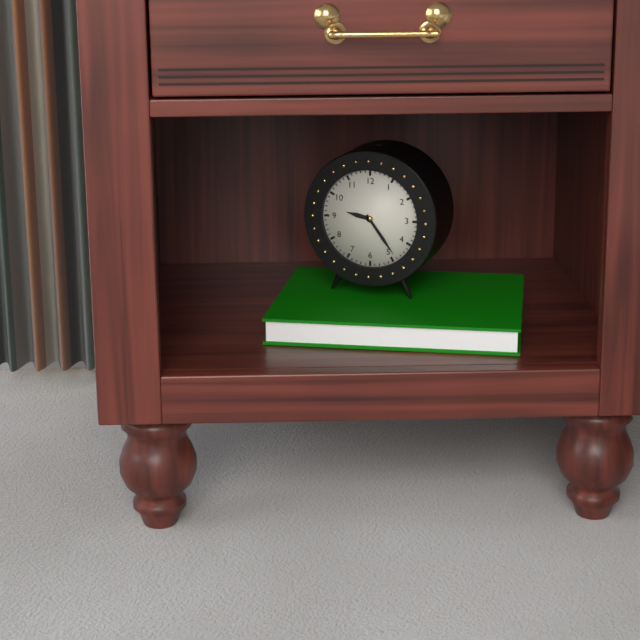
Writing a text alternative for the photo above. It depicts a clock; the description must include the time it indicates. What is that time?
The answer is 9:24
